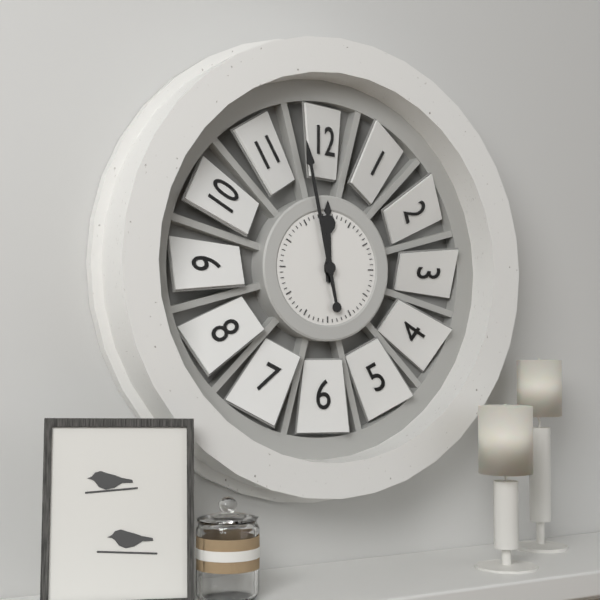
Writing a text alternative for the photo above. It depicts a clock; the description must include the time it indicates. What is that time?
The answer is 11:58
